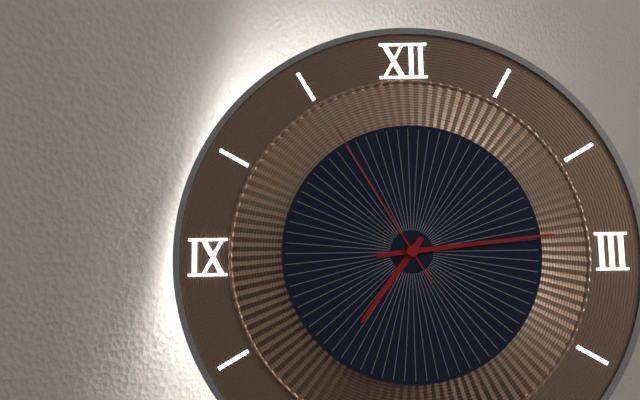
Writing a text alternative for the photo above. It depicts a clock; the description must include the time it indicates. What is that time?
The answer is 7:14:55
